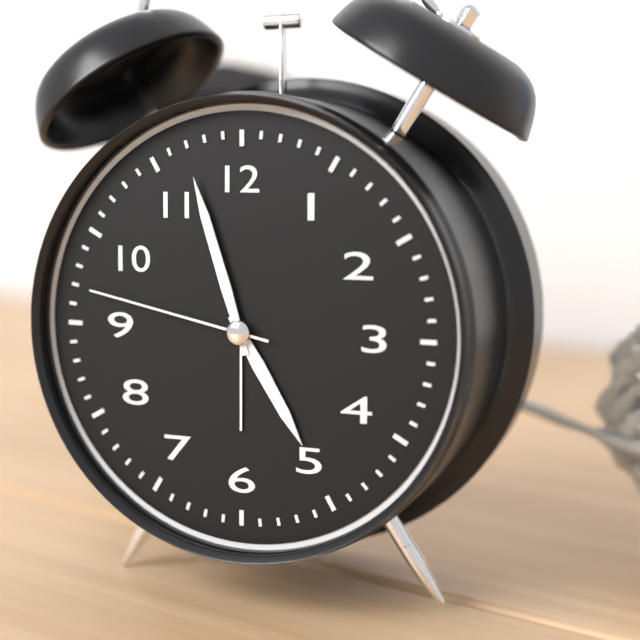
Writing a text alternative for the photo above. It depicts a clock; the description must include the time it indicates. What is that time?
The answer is 4:57:47
